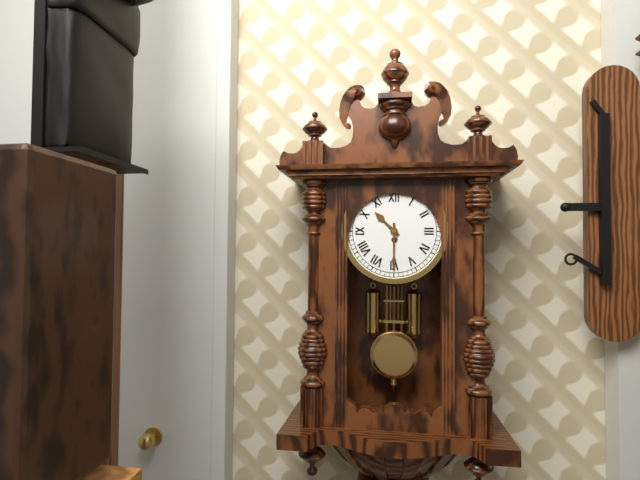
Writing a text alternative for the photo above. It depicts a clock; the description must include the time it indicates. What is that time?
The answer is 10:30
